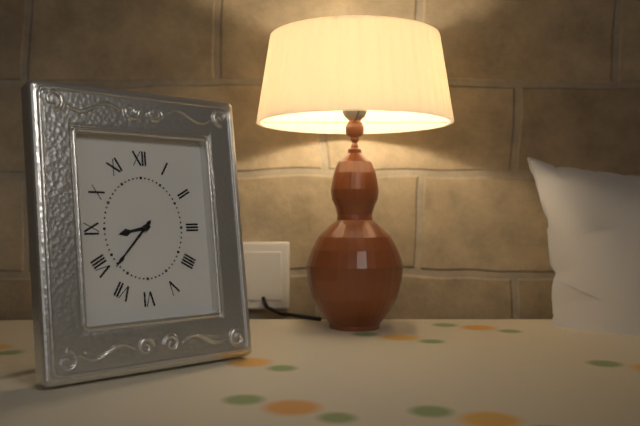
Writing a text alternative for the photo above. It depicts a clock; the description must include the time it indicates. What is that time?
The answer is 8:37
